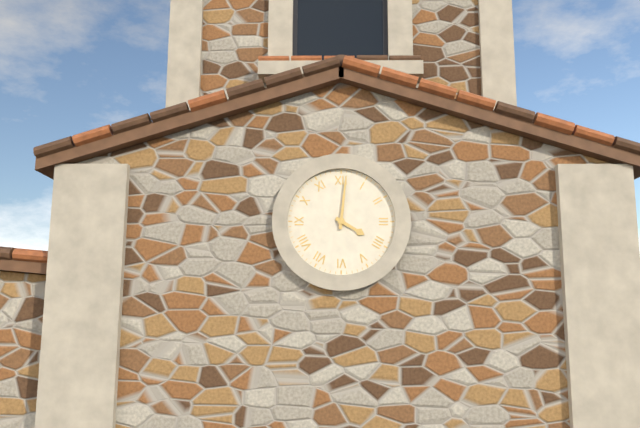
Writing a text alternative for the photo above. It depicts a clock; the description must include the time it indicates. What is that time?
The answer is 4:01
